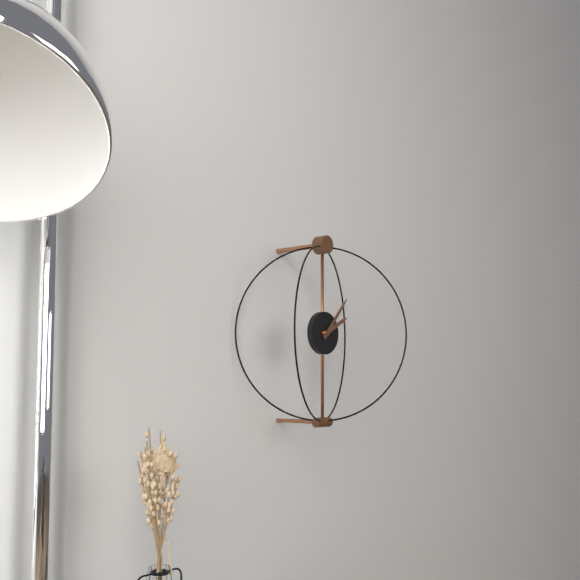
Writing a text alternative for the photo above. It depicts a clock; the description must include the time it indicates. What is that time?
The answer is 2:07
